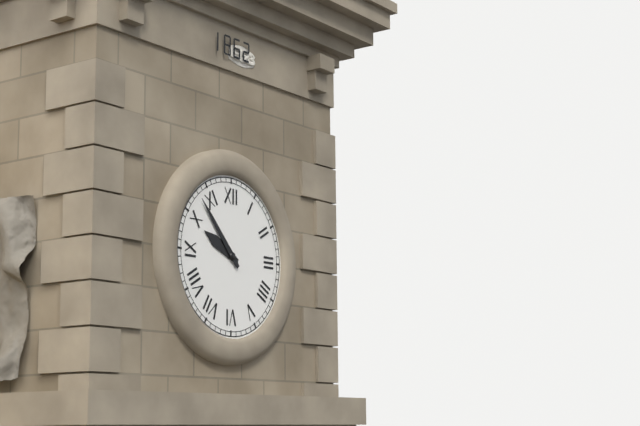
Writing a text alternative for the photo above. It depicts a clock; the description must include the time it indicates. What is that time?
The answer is 9:53
